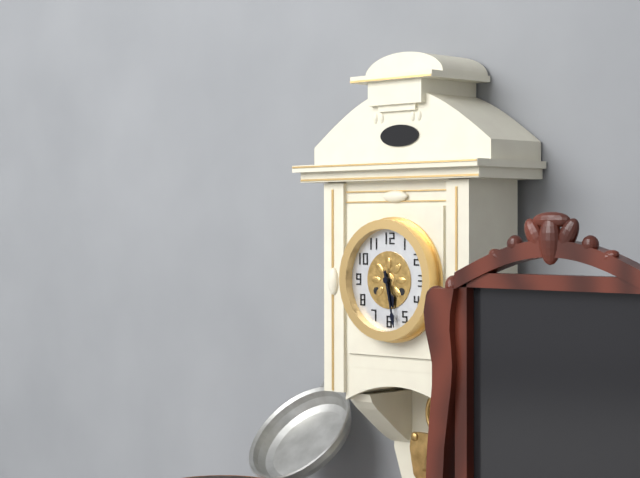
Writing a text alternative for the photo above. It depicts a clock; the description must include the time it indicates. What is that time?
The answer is 5:28
